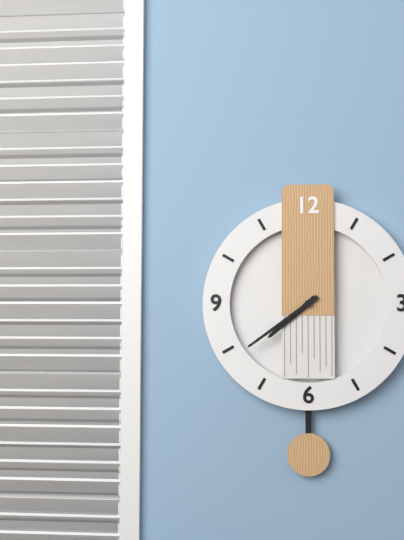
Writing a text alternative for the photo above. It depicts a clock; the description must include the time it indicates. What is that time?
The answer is 7:39
